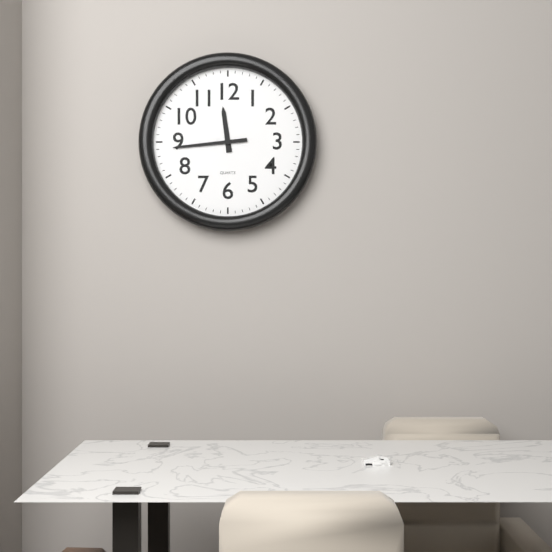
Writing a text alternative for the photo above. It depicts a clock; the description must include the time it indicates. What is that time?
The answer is 11:44
